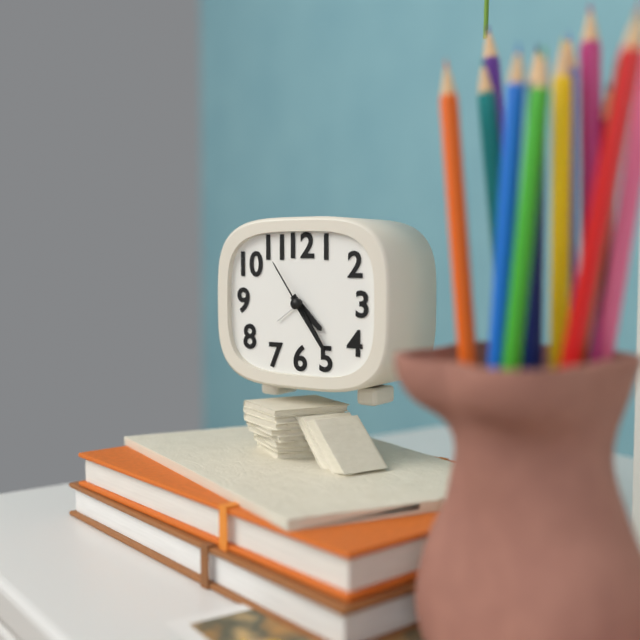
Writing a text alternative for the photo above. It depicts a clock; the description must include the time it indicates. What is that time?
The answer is 4:24:54
